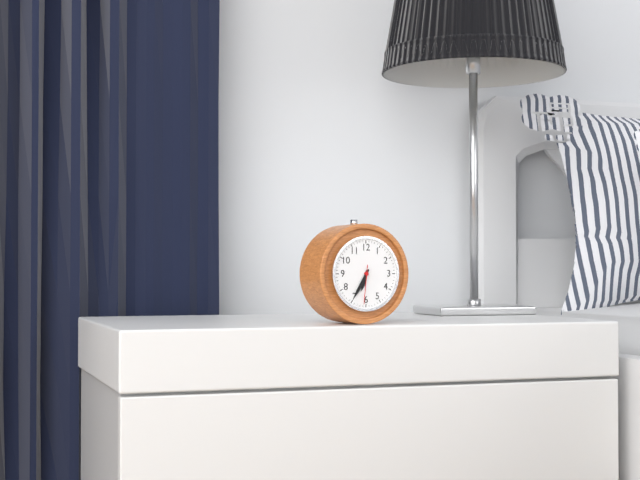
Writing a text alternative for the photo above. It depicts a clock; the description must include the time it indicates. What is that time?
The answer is 6:35
